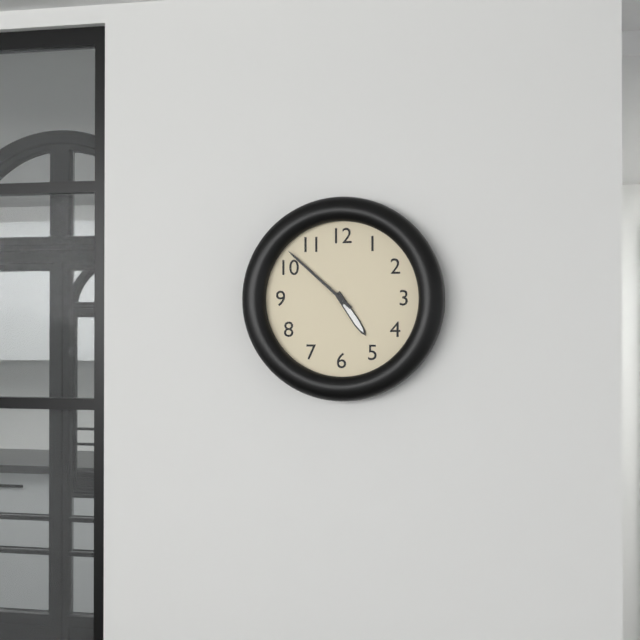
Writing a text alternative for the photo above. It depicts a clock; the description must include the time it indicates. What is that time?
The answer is 4:52
